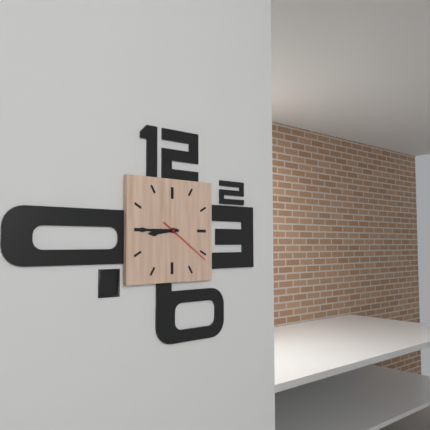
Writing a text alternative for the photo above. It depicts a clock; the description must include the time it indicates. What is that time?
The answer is 8:45:21
